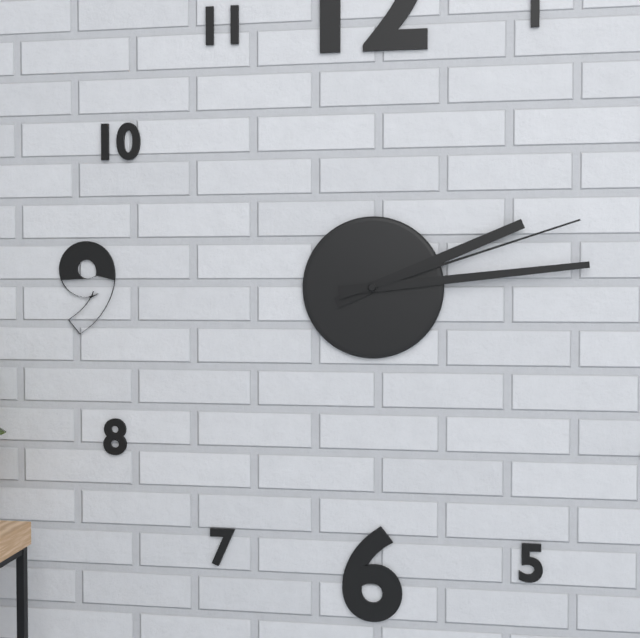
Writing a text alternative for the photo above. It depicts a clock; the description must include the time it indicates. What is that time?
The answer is 2:14:12
